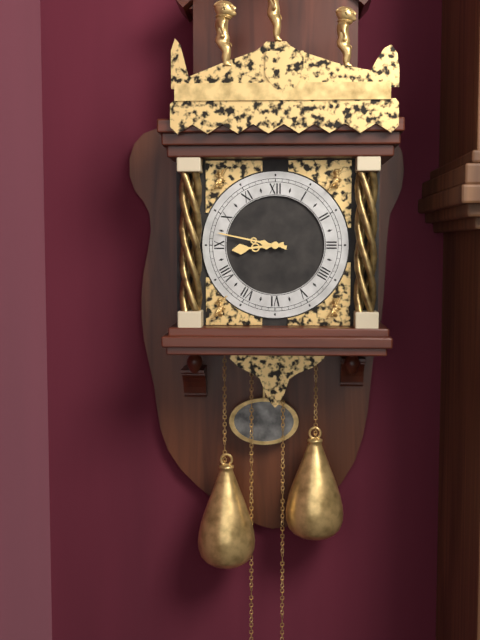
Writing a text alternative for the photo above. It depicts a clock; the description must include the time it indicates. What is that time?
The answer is 8:47
